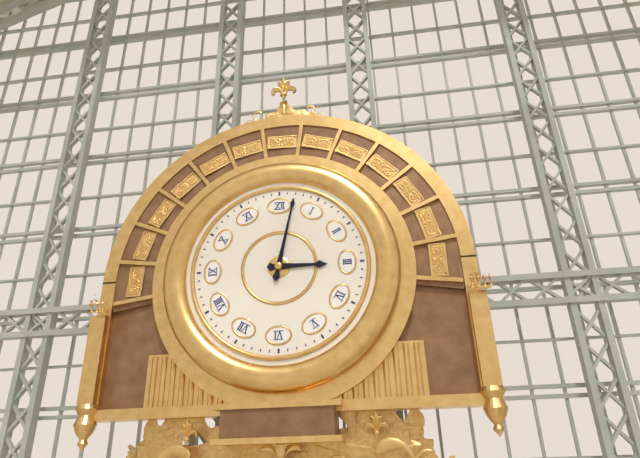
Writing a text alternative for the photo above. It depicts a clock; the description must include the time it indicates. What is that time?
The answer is 3:02
